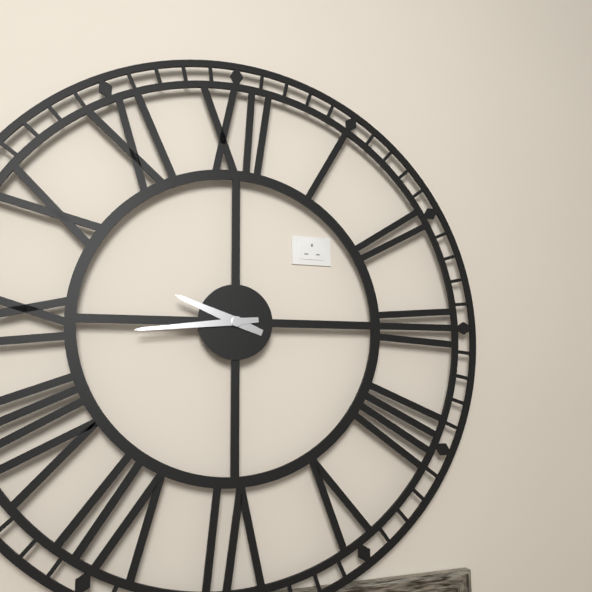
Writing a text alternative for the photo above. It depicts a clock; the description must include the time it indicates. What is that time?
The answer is 9:44
